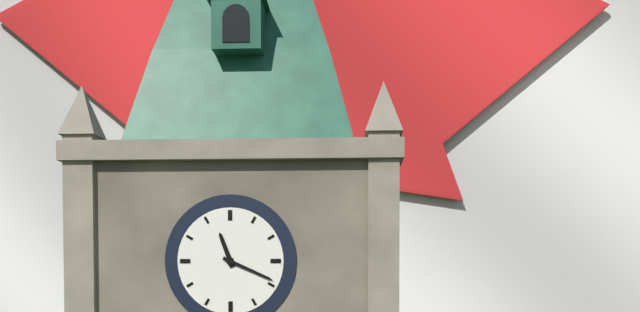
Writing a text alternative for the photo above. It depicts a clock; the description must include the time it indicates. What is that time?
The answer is 11:19
